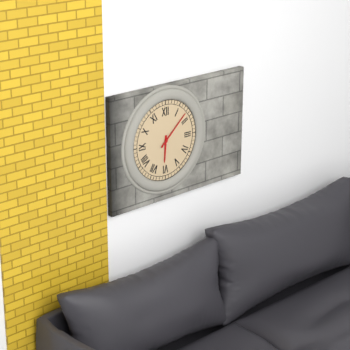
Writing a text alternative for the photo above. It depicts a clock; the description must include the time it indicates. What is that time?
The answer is 6:08
